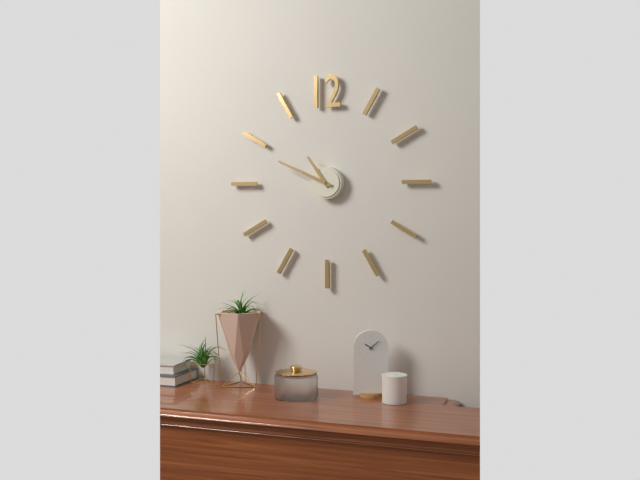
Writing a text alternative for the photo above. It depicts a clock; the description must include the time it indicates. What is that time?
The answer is 10:49
